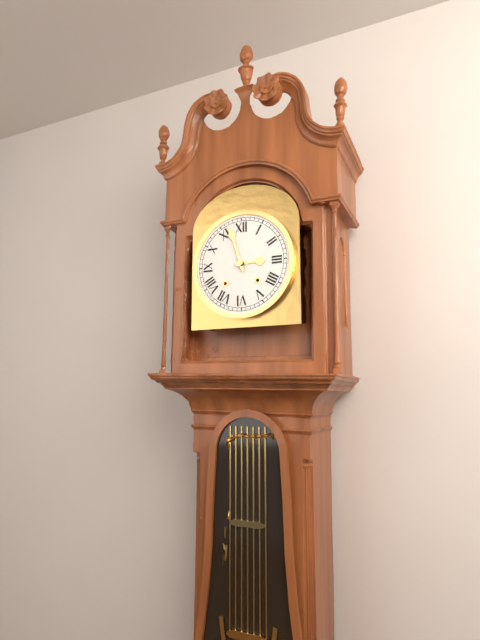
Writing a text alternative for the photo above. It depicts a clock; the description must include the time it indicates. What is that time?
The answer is 2:57
